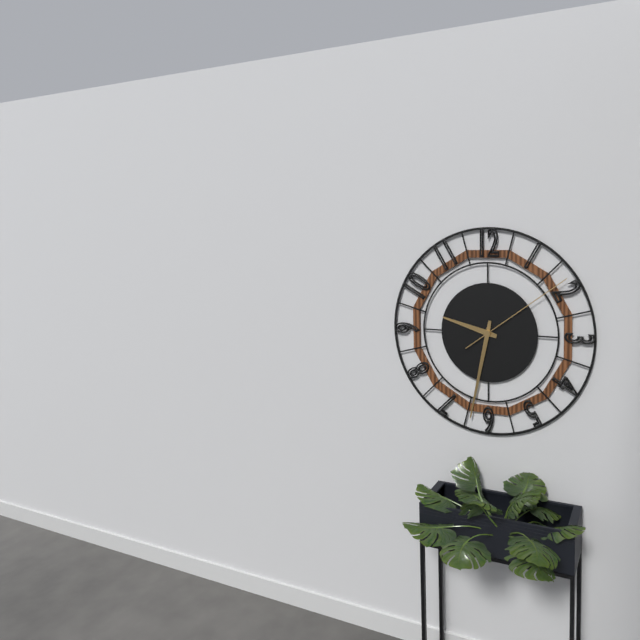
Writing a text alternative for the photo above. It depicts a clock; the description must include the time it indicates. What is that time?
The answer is 9:32:09
